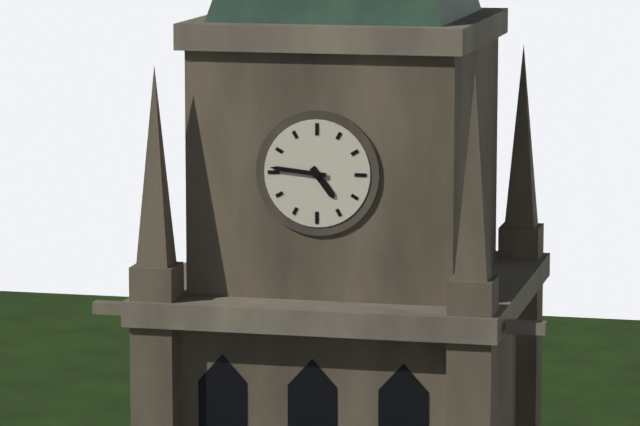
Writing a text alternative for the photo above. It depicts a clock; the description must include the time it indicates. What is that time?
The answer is 4:46
